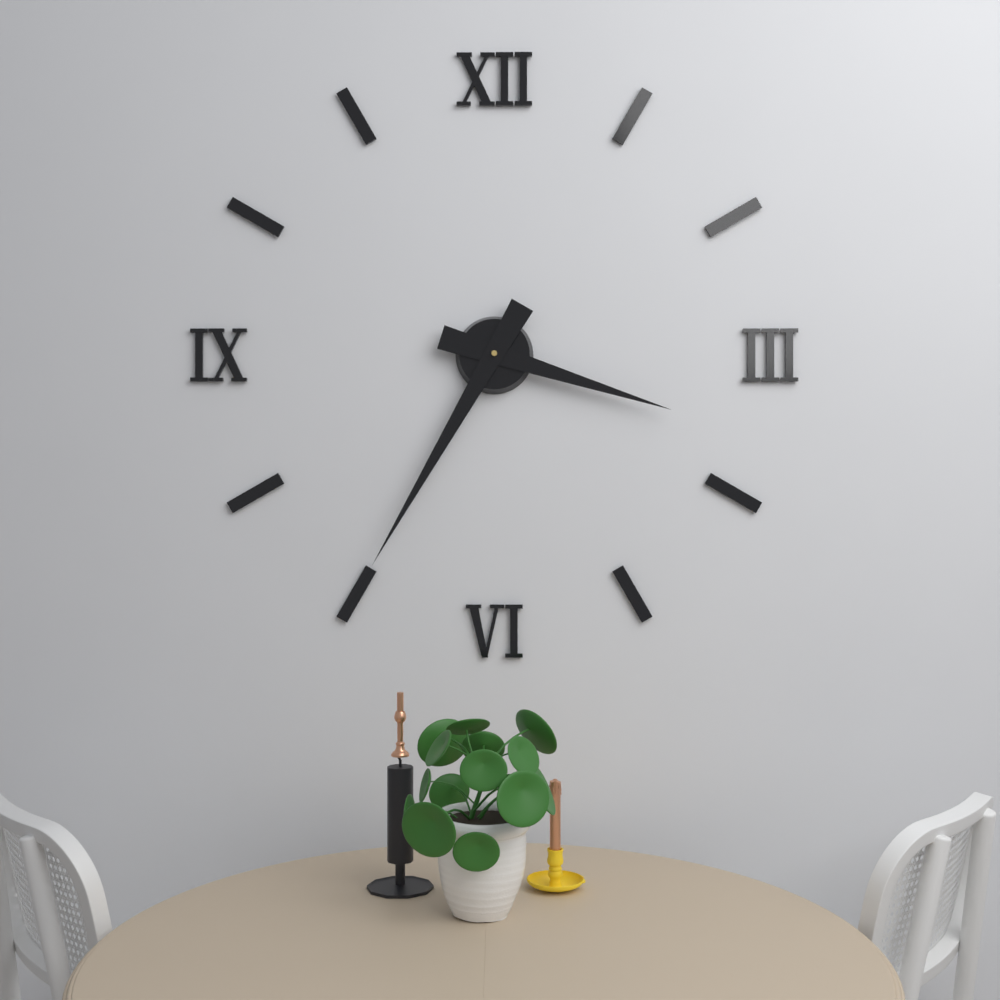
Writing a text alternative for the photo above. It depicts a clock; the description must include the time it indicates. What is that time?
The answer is 3:35
